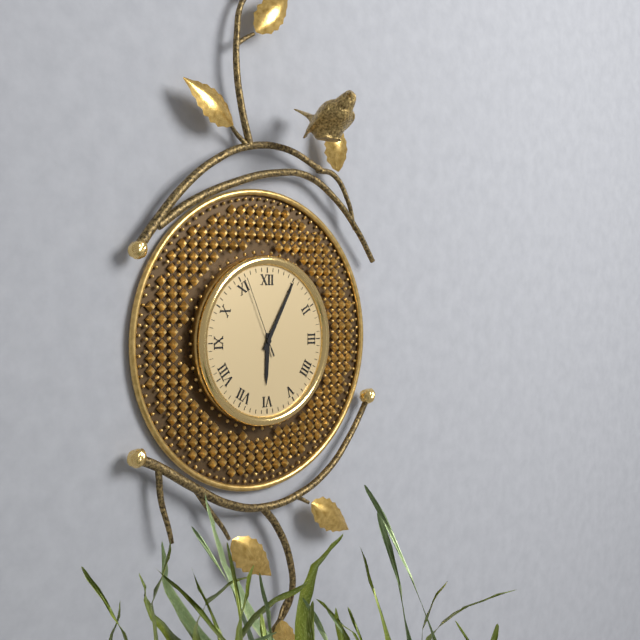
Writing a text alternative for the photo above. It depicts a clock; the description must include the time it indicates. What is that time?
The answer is 6:05:56
